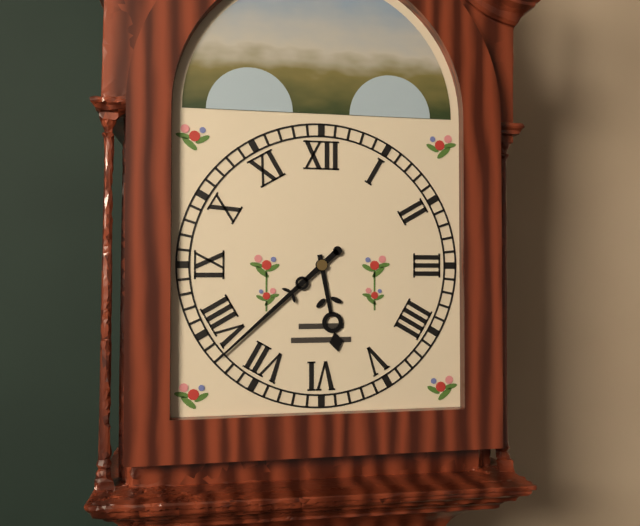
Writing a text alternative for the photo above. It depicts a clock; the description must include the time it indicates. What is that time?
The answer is 5:38
